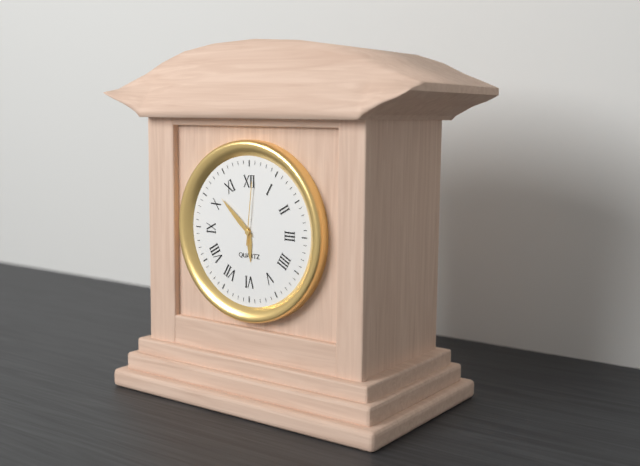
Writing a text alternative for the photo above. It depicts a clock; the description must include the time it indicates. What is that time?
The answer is 5:52:01
